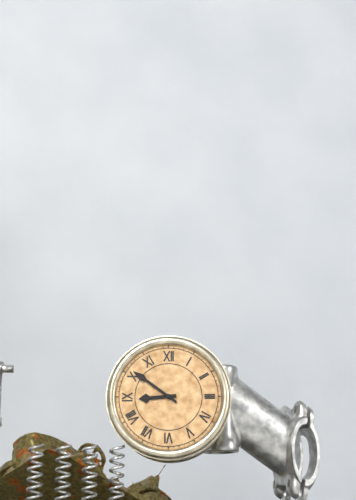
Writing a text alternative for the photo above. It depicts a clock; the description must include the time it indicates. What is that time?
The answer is 8:51
